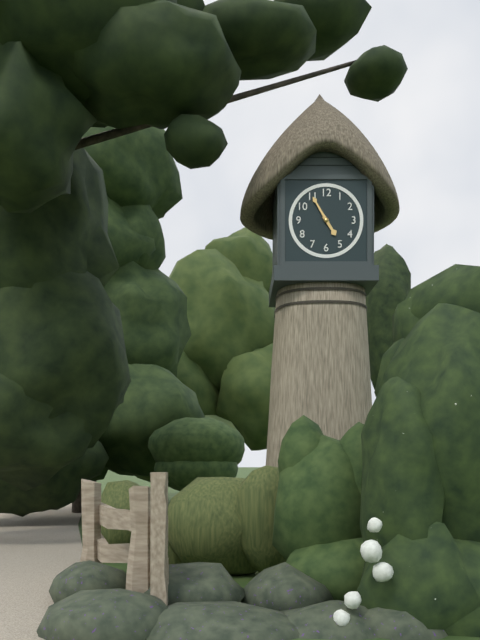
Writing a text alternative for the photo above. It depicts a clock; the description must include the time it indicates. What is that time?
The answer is 4:55
